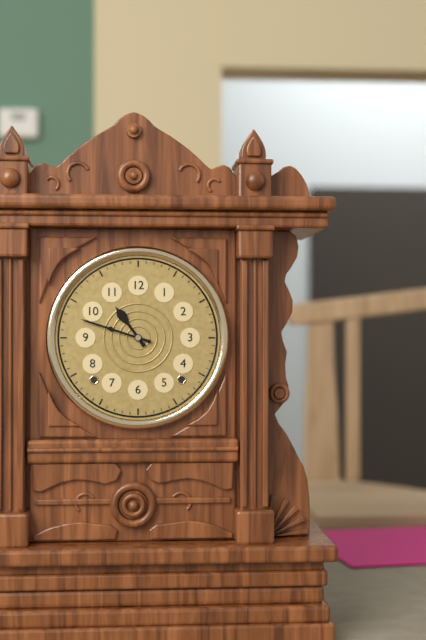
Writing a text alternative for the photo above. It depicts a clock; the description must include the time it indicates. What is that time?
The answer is 10:48
